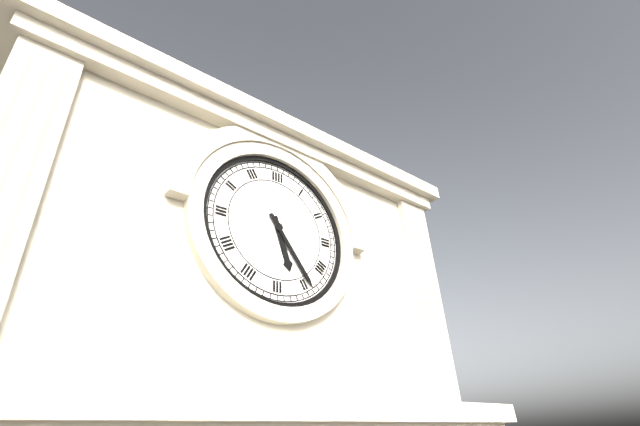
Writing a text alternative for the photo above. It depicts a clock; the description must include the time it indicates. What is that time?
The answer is 5:24
